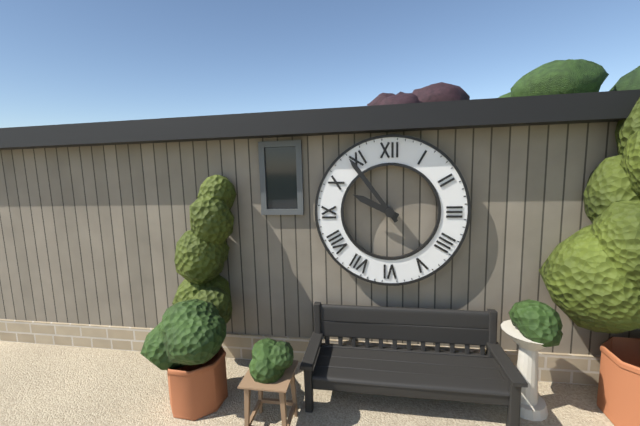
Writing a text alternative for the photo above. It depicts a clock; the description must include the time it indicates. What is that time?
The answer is 9:54
